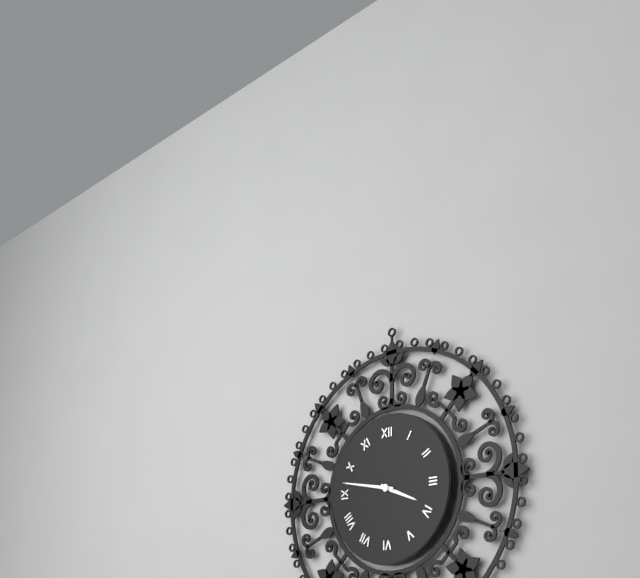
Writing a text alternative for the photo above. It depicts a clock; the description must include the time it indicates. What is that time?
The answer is 3:47
